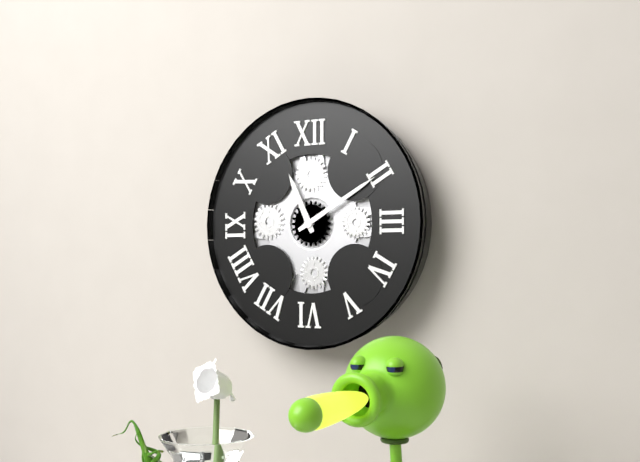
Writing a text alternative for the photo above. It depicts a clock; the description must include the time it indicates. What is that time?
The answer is 11:10
